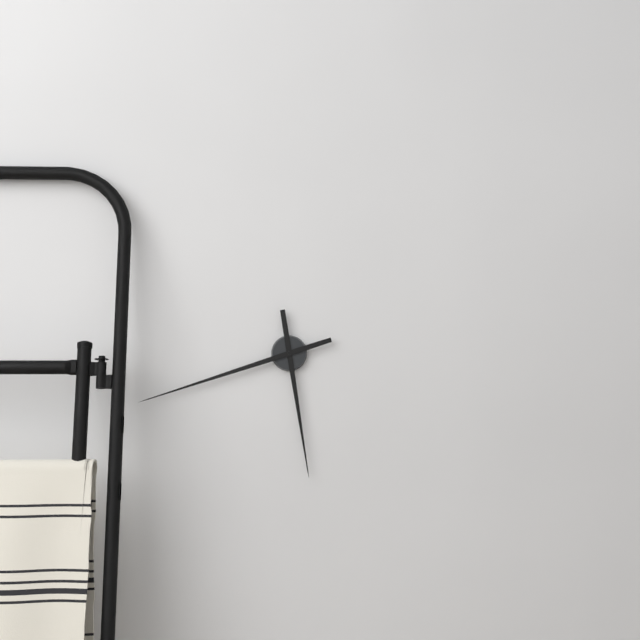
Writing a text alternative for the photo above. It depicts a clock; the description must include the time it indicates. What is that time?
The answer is 5:42
